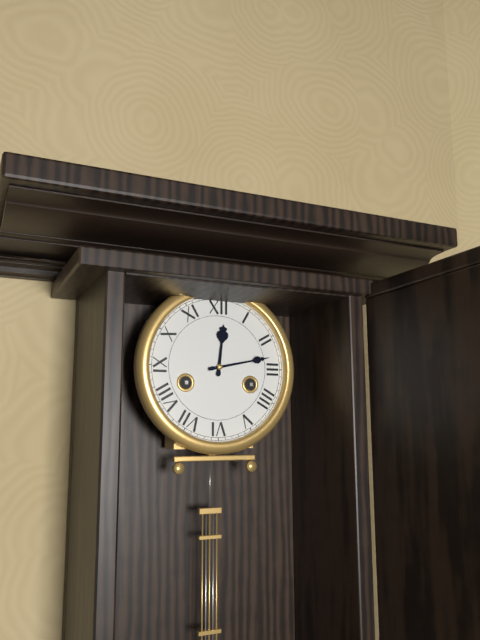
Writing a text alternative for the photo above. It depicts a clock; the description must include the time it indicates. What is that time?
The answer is 12:13
